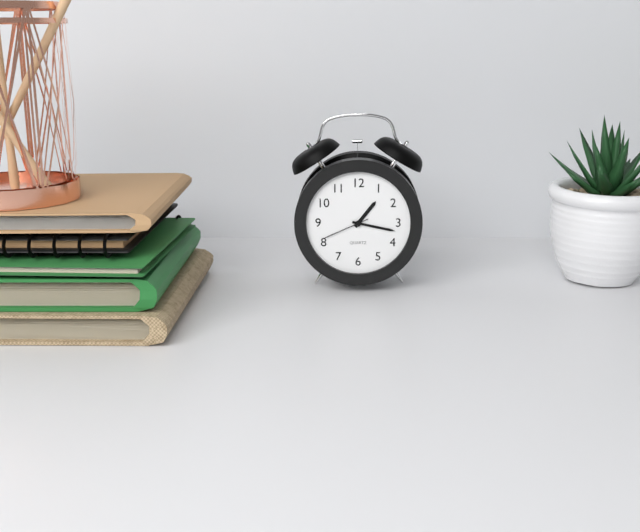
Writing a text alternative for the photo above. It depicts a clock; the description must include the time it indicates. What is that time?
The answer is 1:17
